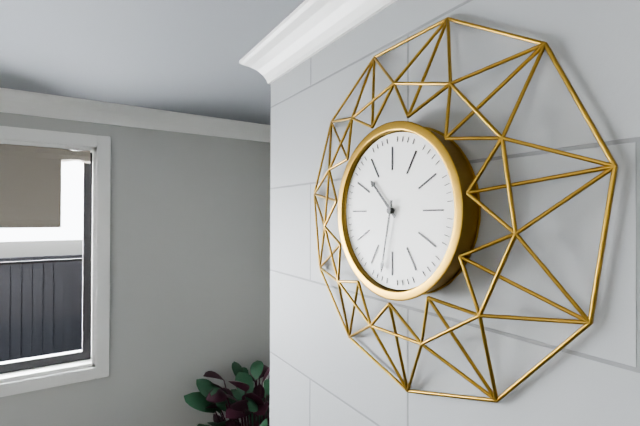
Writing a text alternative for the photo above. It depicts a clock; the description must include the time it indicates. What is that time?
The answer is 10:32
